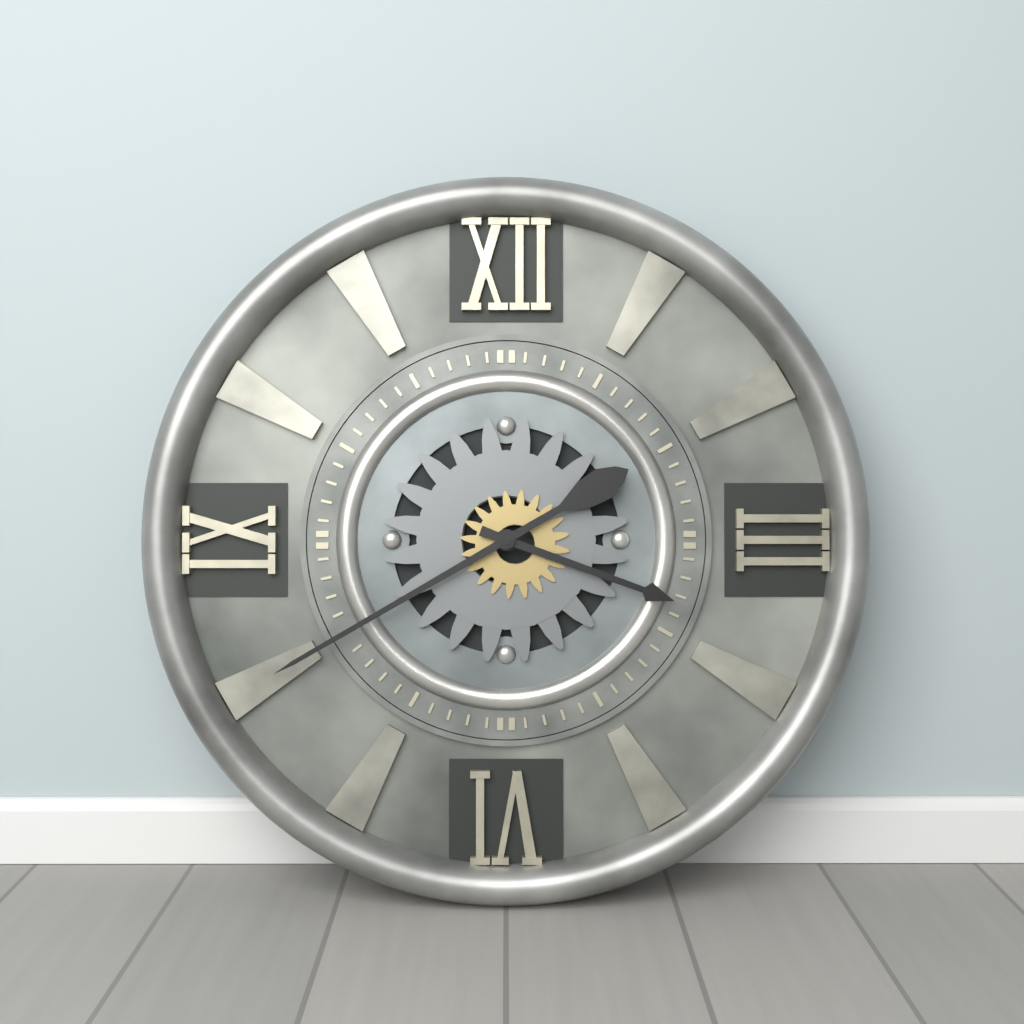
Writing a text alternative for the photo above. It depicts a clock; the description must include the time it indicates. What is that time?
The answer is 3:40
